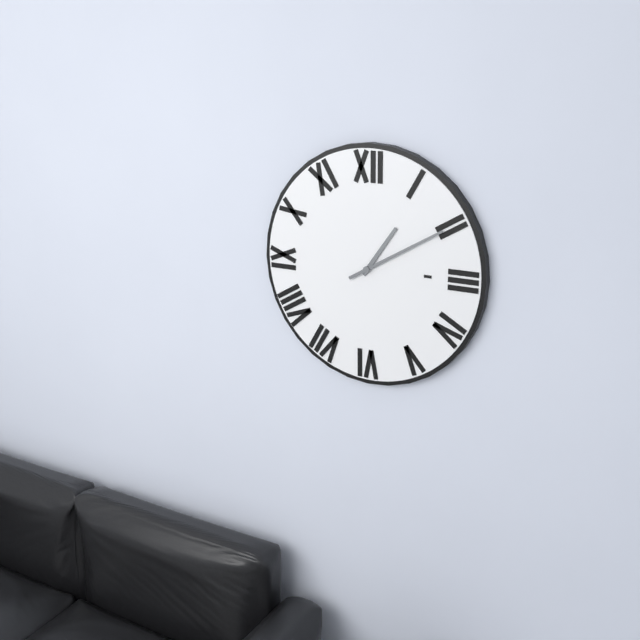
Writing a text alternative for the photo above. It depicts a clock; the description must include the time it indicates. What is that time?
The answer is 1:10
